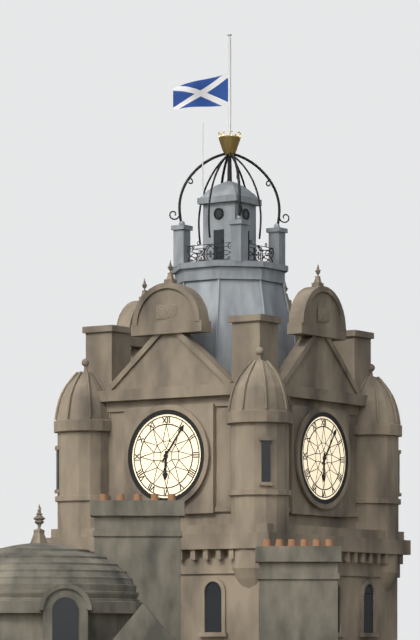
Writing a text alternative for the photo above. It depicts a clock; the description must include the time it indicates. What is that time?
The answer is 6:06
